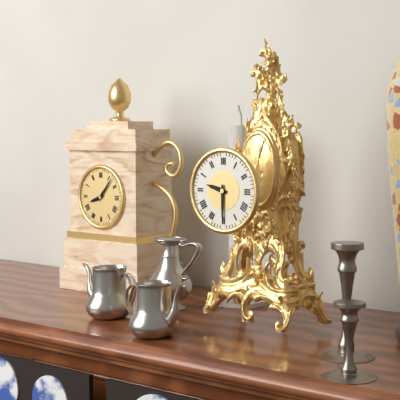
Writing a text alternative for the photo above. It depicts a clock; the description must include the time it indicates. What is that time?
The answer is 9:30
